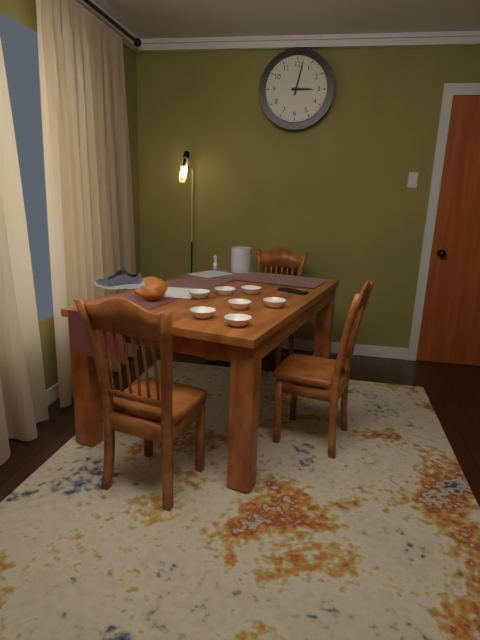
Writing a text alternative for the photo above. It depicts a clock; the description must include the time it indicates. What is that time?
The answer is 3:02
